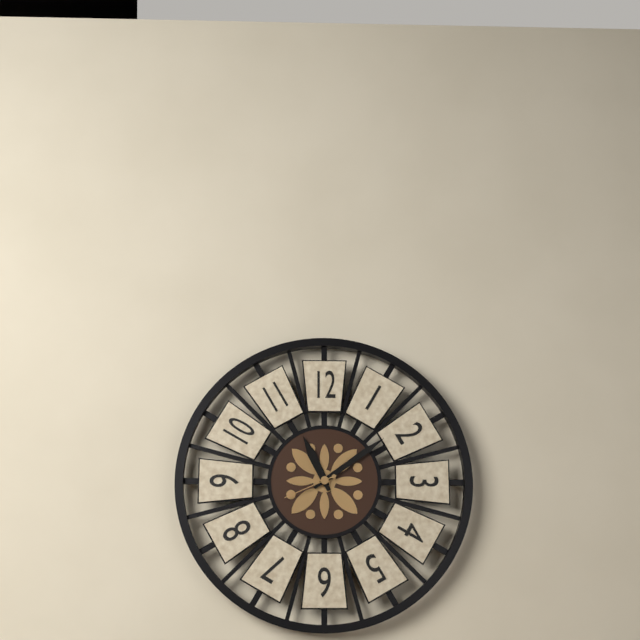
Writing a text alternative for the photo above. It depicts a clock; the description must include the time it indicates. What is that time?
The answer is 11:09:41
